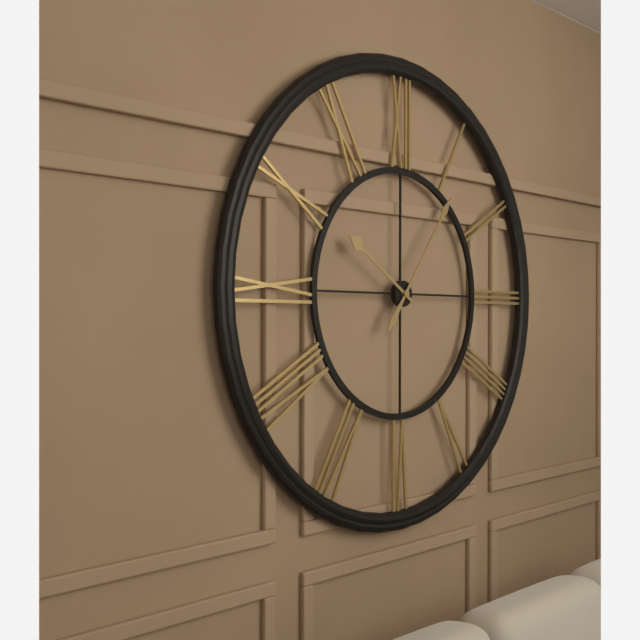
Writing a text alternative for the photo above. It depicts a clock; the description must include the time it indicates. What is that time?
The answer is 10:06
